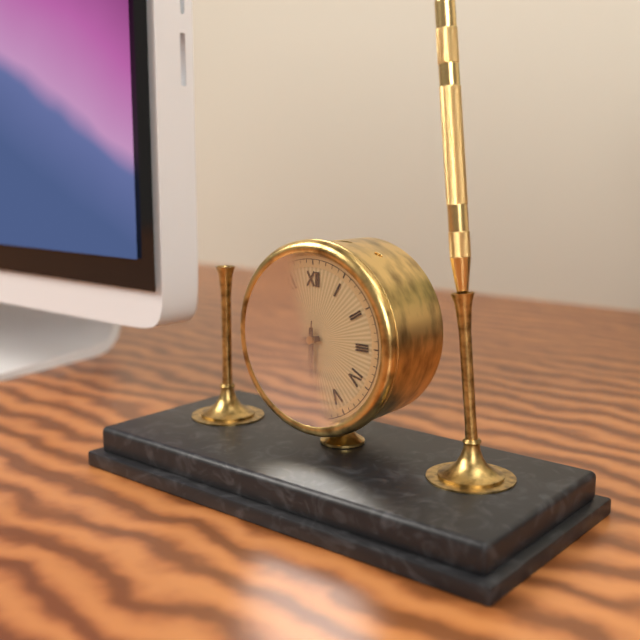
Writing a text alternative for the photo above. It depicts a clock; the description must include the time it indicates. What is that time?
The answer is 8:30:31
